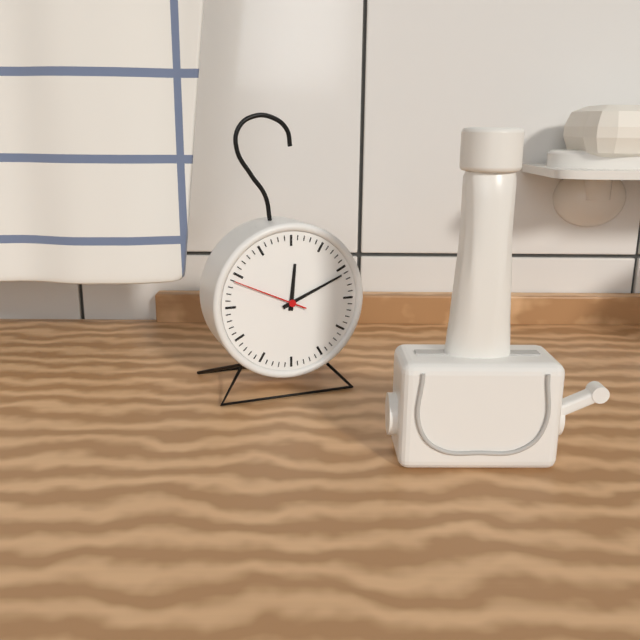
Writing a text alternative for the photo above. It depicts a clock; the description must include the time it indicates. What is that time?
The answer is 12:11:49
